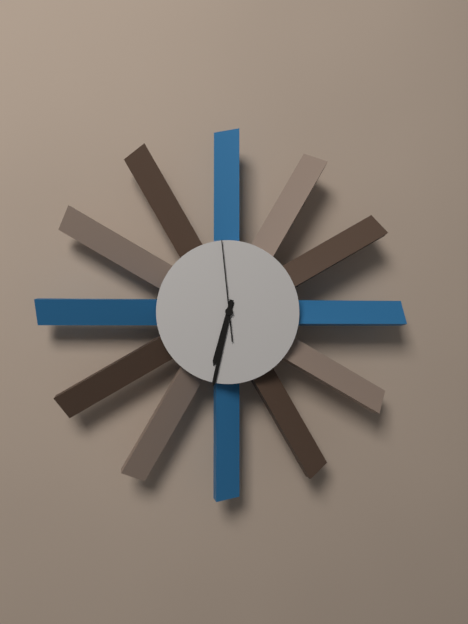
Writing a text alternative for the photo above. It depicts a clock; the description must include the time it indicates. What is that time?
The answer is 6:32:59
